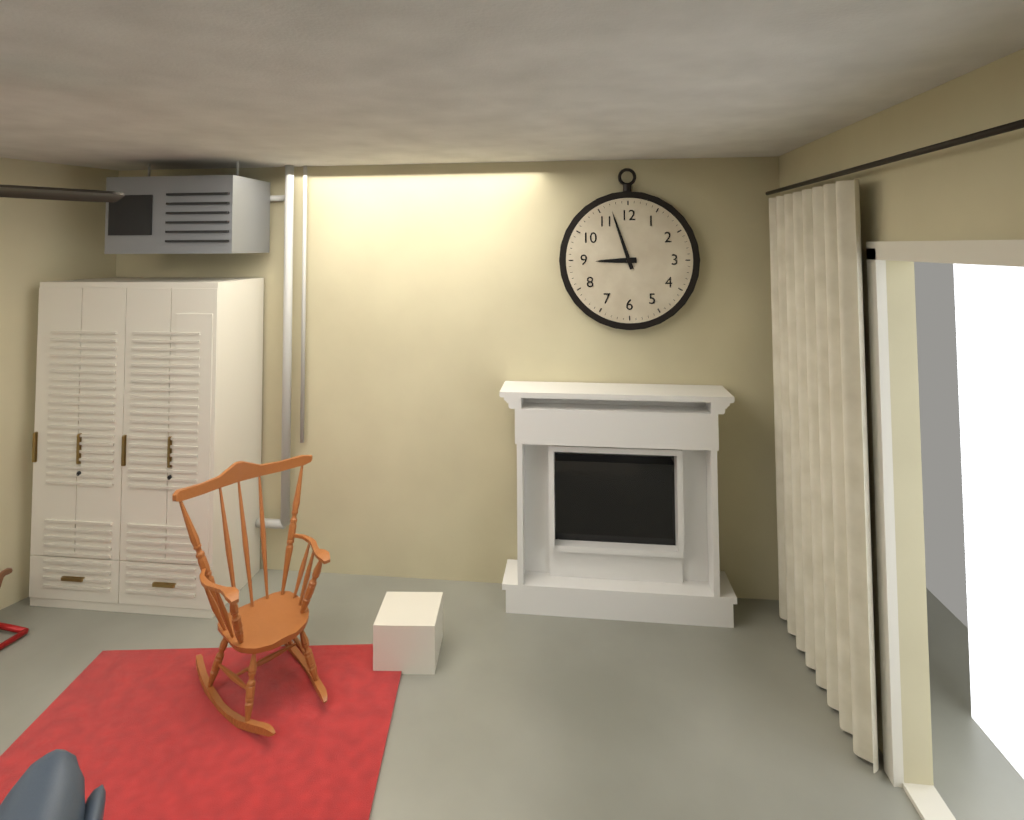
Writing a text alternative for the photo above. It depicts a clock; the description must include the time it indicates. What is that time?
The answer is 8:57
